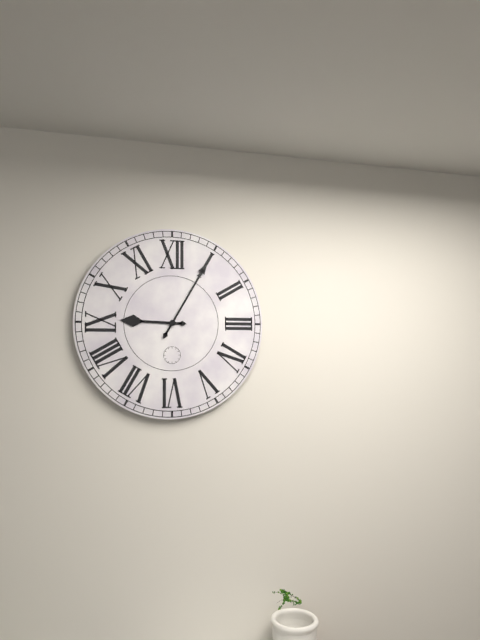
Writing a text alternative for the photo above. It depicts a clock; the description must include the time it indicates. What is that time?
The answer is 9:05
